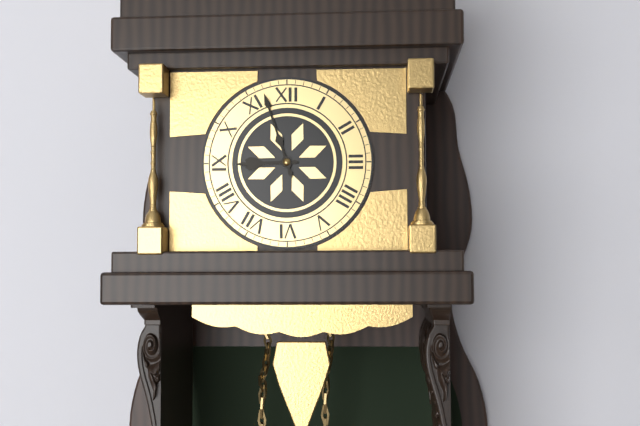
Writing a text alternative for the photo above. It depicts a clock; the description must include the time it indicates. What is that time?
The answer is 8:57
